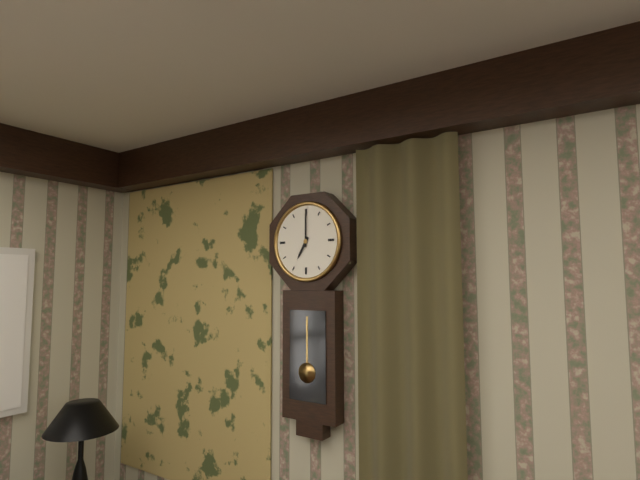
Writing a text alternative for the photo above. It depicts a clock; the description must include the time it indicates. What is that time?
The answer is 7:00
